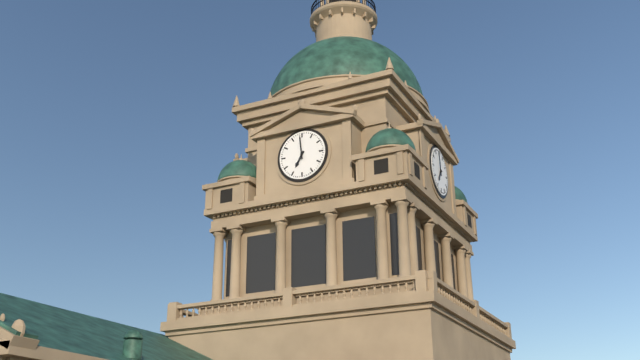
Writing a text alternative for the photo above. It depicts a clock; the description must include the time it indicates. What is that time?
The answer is 6:59
